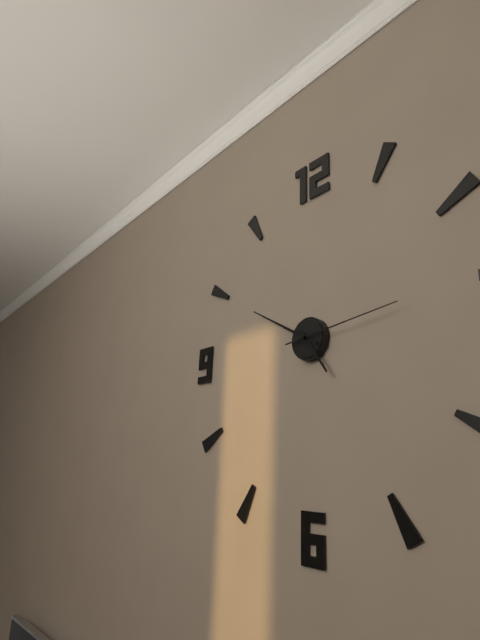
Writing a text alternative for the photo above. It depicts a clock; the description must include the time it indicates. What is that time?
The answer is 4:50:14
